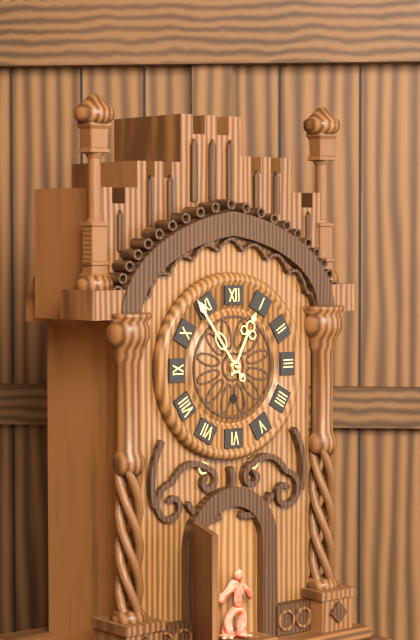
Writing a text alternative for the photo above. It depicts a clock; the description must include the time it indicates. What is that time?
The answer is 12:54
